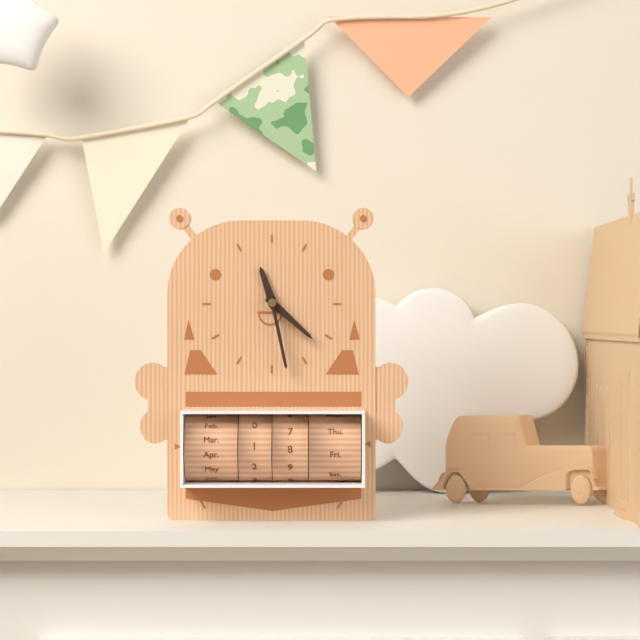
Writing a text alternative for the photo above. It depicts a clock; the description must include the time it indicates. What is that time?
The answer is 11:22:28
